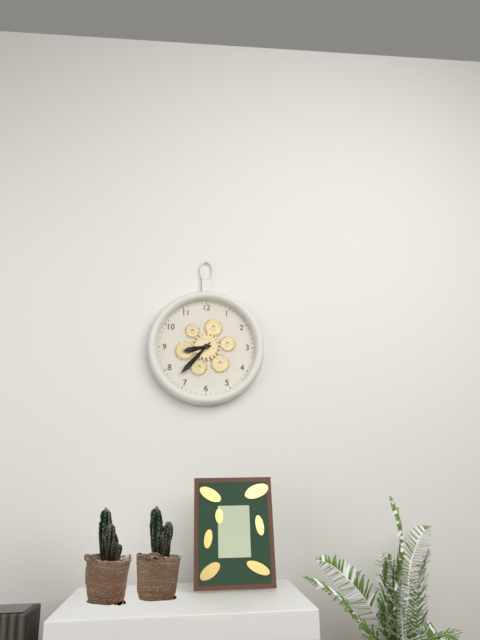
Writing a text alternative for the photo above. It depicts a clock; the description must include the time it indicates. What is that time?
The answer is 8:37
